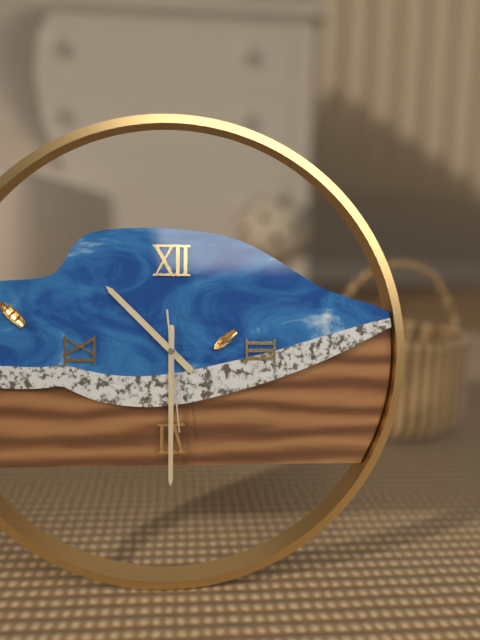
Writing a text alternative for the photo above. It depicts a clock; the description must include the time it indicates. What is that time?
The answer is 10:30:29
